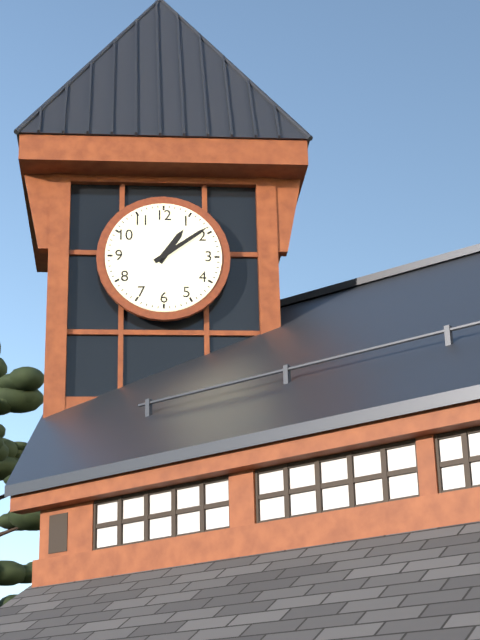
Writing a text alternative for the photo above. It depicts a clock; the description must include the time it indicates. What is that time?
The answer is 1:09
